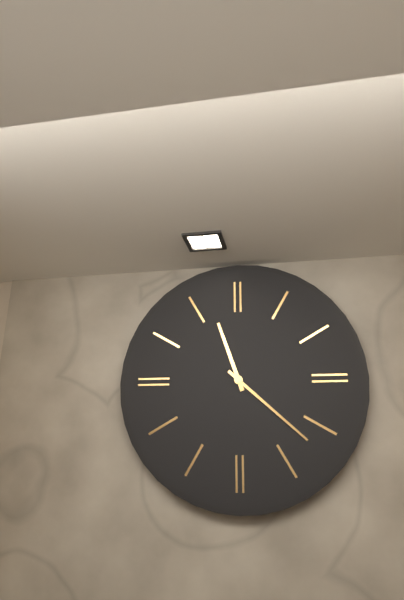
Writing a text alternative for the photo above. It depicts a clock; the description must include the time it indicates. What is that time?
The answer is 11:22
